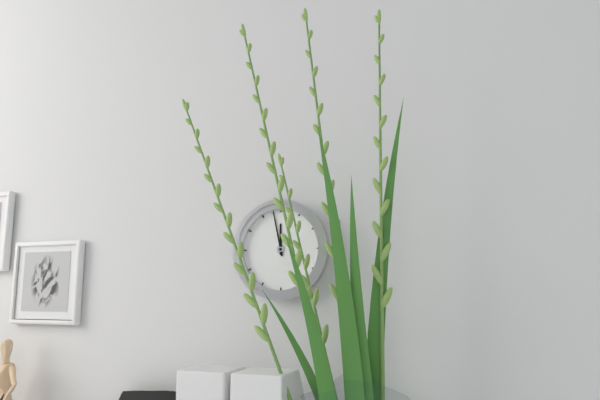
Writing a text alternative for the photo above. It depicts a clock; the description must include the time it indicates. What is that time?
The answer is 11:58
